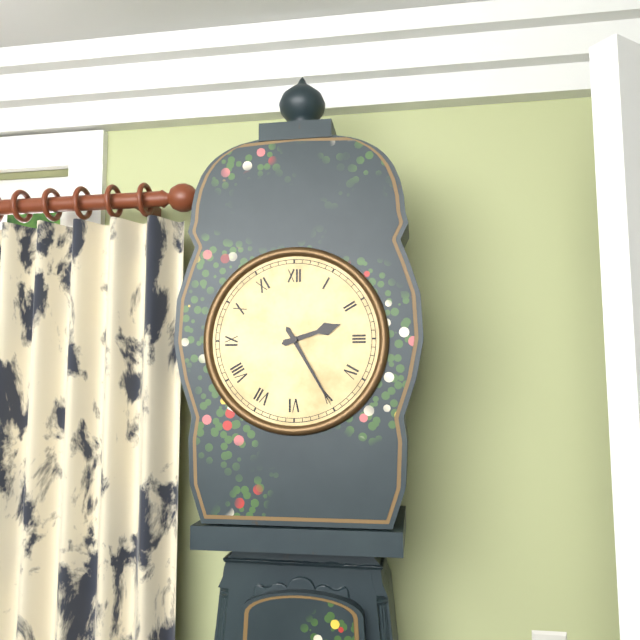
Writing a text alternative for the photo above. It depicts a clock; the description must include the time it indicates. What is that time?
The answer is 2:25
